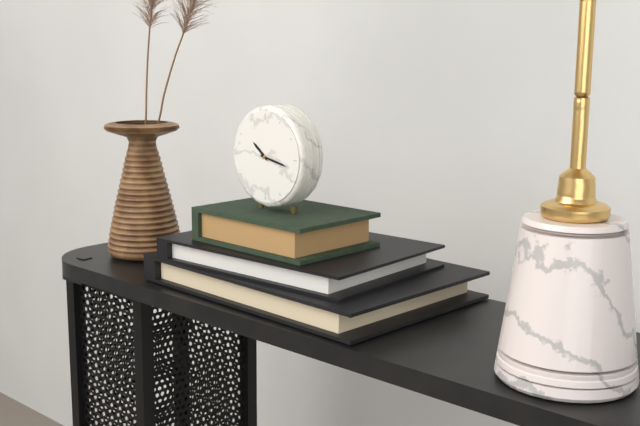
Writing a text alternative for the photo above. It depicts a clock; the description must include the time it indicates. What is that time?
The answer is 10:17
